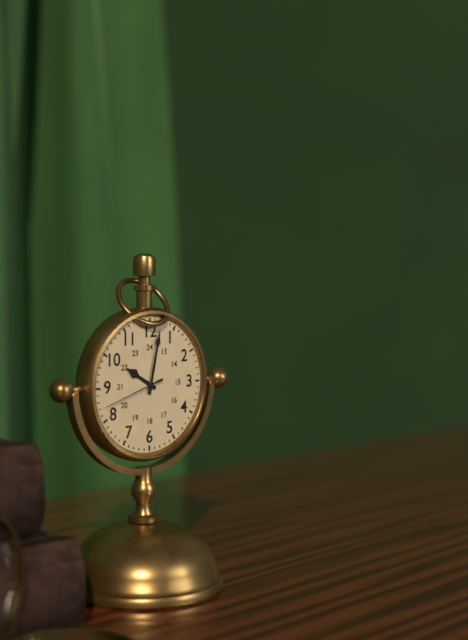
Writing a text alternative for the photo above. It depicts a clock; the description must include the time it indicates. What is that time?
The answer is 10:02:42
